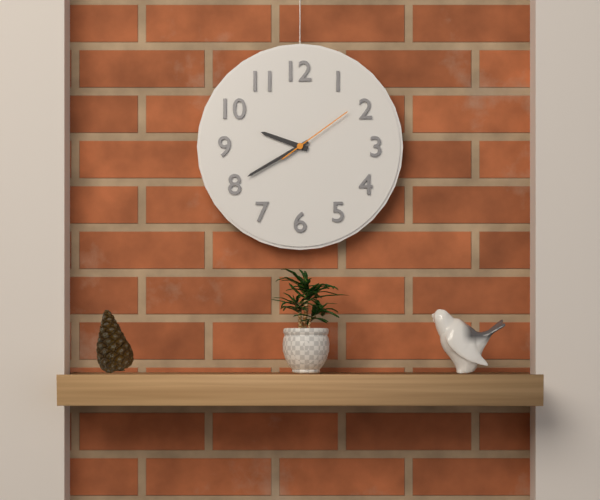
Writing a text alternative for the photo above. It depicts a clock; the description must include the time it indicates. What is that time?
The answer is 9:40:09
